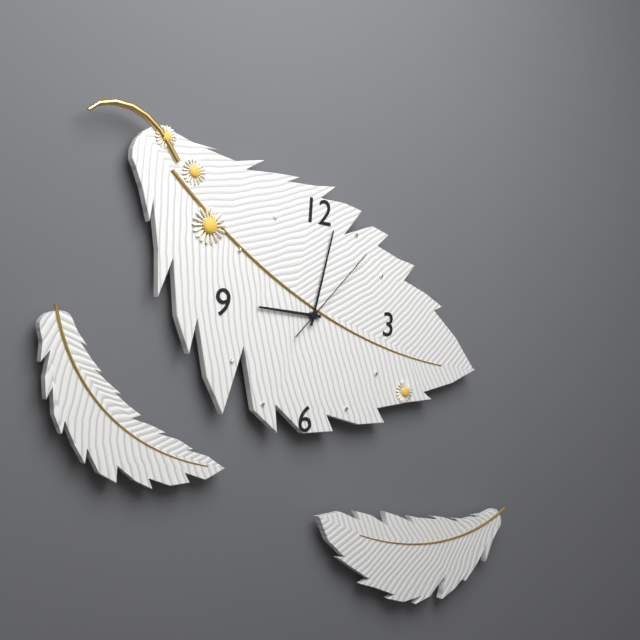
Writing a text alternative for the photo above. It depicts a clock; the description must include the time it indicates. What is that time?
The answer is 9:02:07
